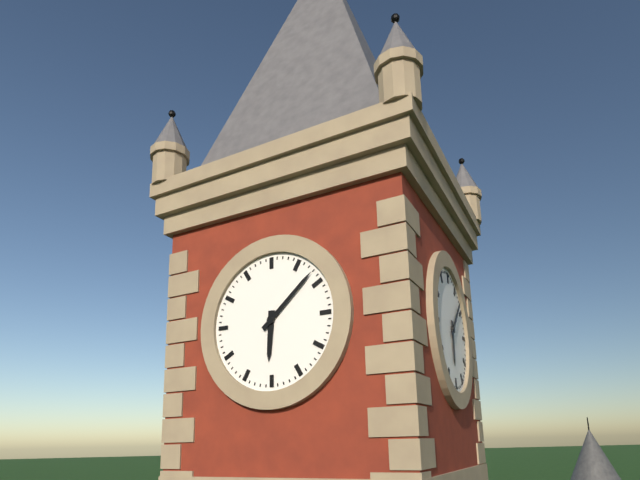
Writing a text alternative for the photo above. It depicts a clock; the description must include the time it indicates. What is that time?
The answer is 6:08
